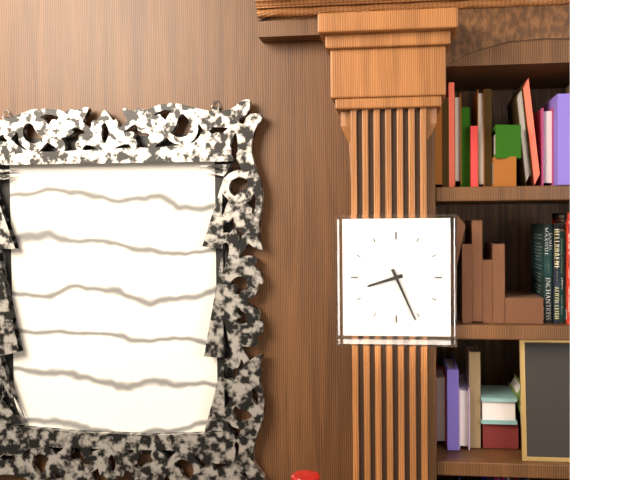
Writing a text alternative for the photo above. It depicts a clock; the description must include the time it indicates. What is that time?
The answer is 8:26
